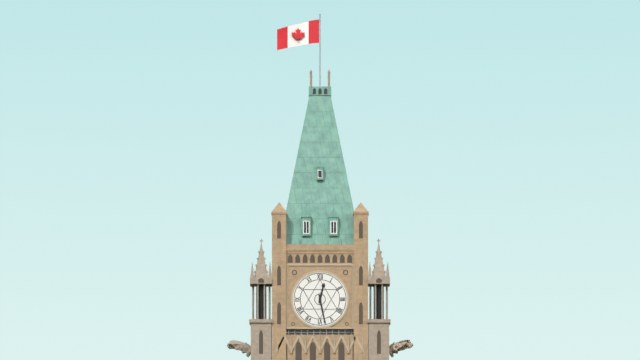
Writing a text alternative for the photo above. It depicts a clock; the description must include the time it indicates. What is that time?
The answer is 12:28
